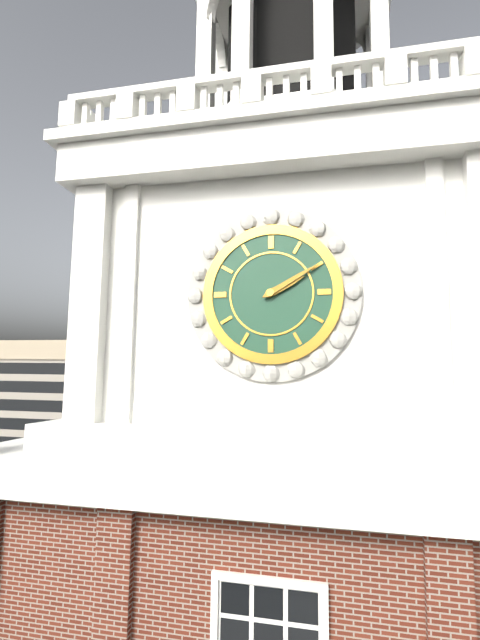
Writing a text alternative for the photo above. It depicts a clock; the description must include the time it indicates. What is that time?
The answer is 2:10
